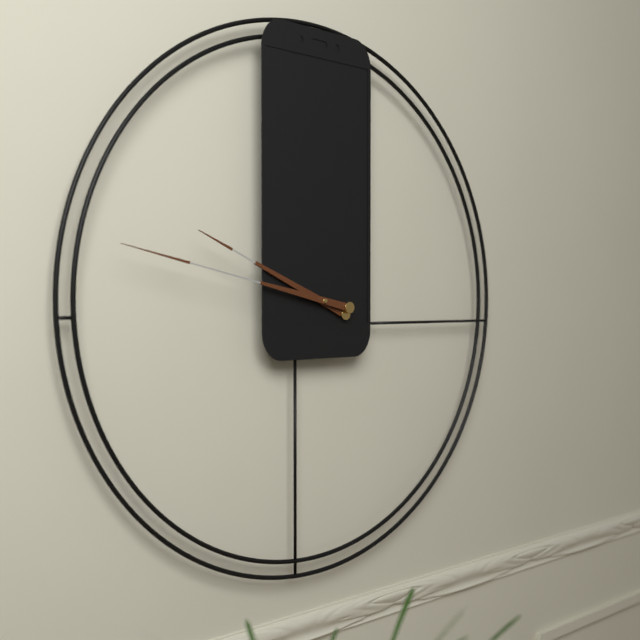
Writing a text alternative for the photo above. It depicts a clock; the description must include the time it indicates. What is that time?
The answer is 9:47
